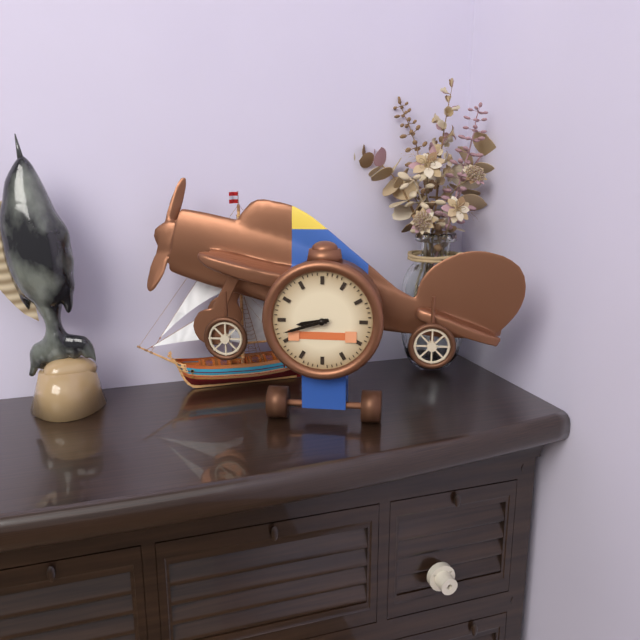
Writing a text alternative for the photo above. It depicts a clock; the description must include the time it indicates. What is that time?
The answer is 8:42
